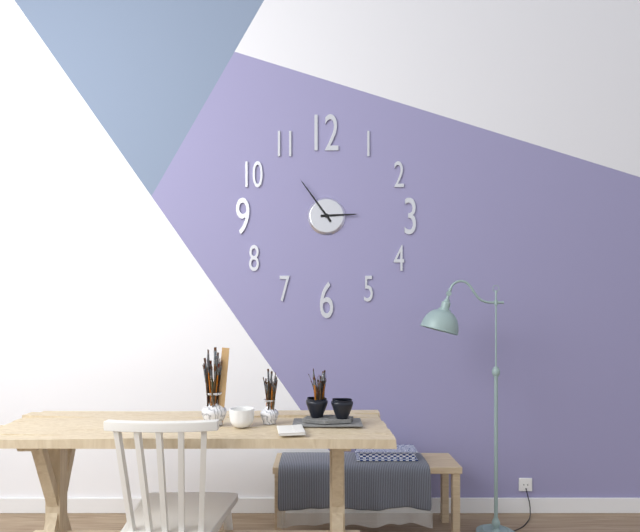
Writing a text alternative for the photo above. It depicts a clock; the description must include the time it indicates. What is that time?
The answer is 2:54
